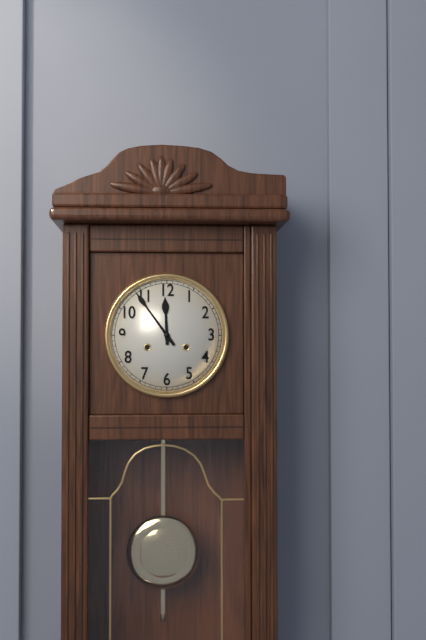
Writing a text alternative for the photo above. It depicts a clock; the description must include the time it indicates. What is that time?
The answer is 11:54
